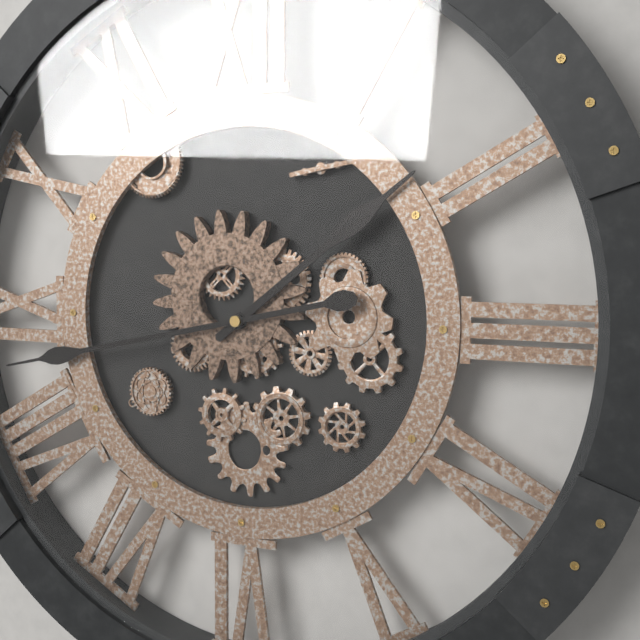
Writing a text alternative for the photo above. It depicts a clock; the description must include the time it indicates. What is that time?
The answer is 1:43
